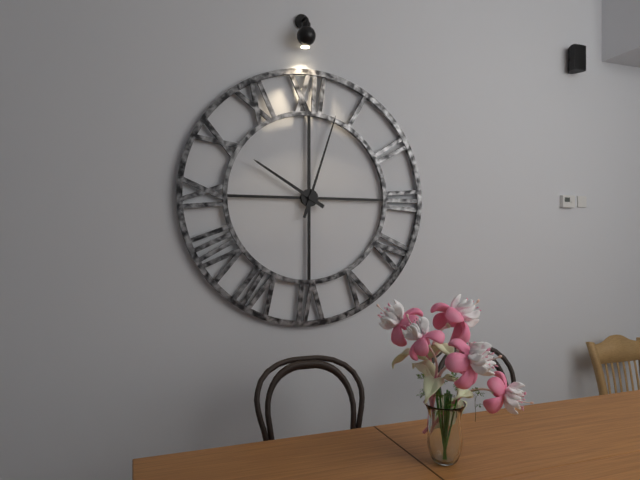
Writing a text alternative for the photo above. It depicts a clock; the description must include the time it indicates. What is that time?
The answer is 10:03
